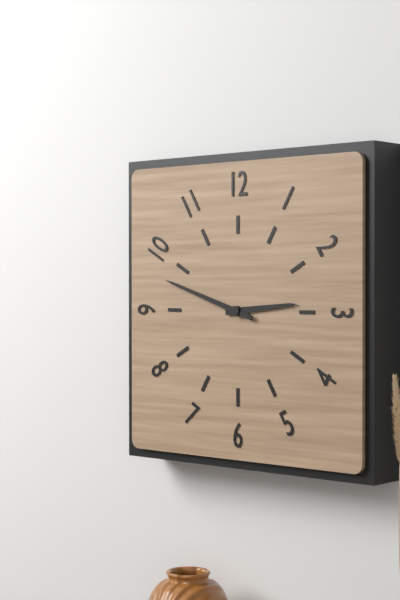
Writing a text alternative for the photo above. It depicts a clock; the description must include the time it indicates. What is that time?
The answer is 2:48
